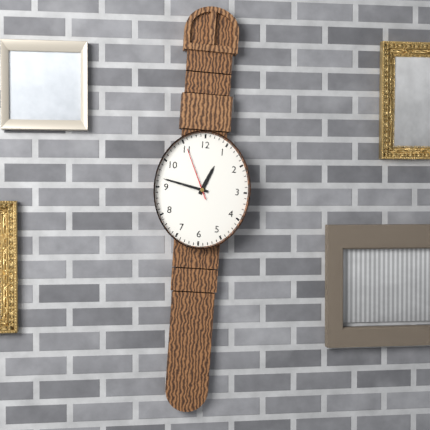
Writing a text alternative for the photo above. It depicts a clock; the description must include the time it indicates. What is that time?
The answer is 12:47:56
